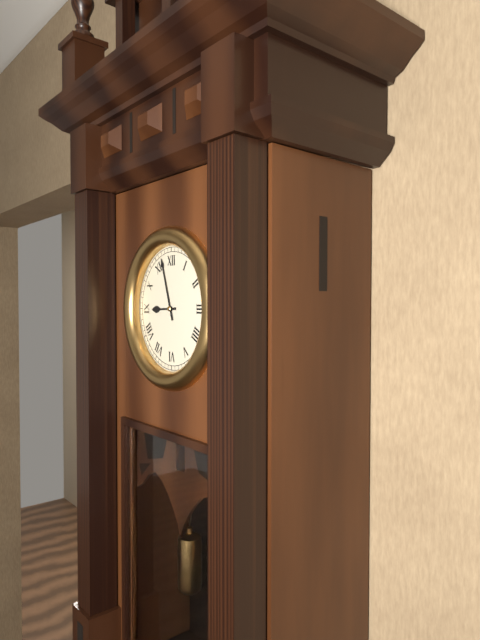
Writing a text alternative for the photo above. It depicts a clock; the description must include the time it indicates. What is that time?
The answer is 8:57
